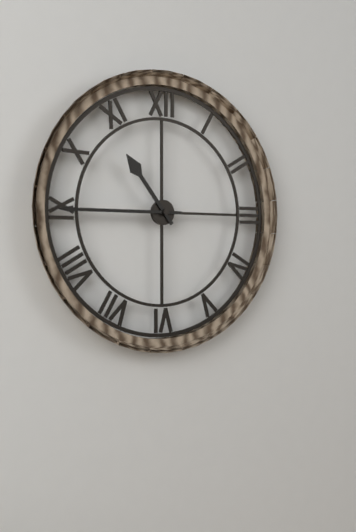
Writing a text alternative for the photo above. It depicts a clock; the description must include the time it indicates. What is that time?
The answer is 10:45
